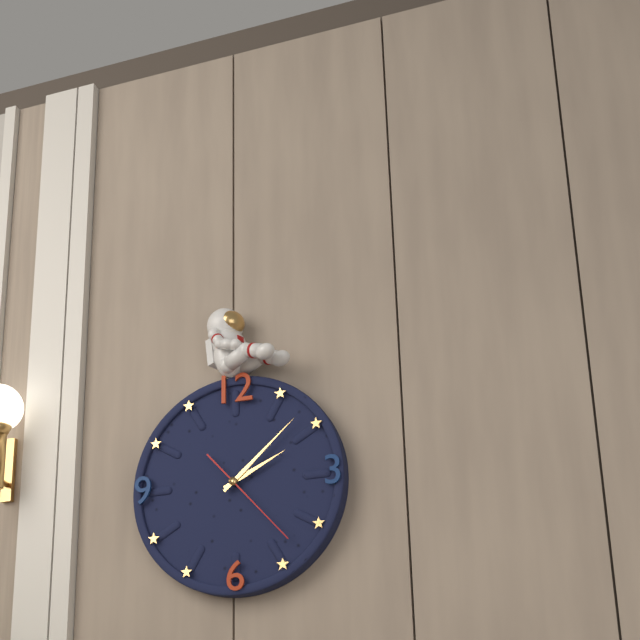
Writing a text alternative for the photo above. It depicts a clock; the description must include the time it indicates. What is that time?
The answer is 2:08:23
